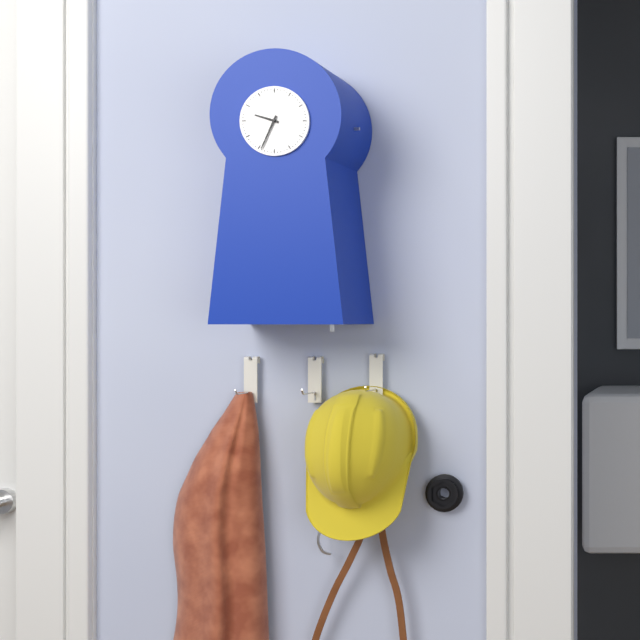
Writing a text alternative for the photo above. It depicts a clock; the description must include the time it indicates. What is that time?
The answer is 9:34
